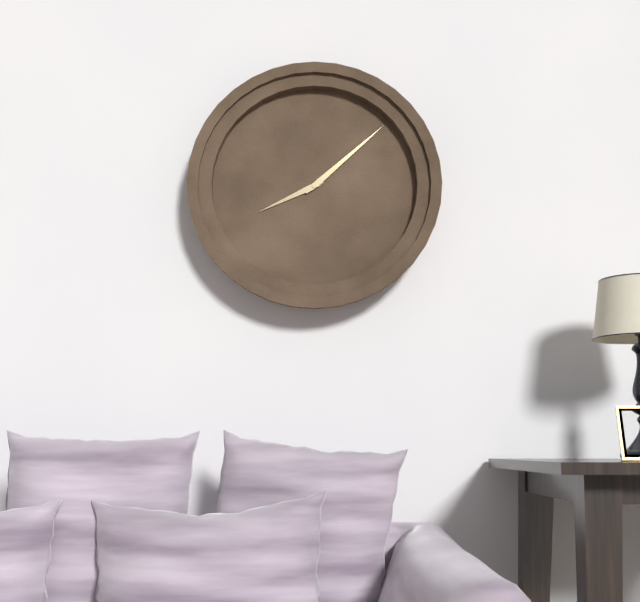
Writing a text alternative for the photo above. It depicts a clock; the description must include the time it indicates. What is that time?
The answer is 8:08
